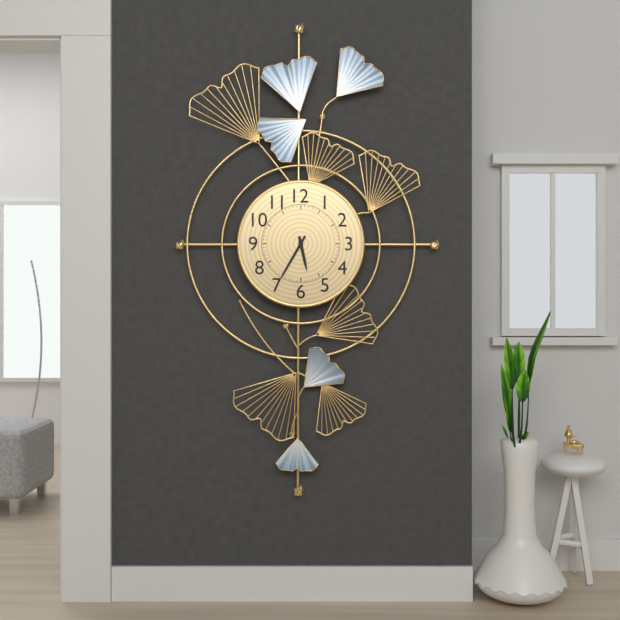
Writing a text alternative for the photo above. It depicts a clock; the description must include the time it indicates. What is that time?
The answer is 5:35
